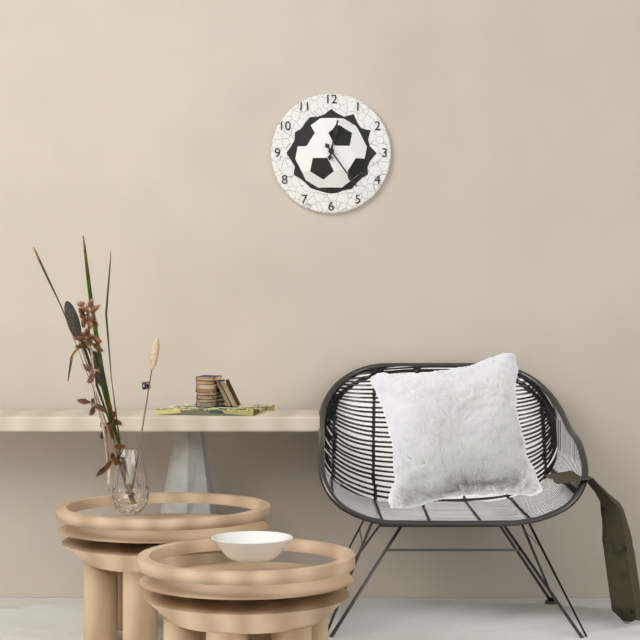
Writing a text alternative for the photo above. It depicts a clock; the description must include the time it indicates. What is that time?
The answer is 12:24
